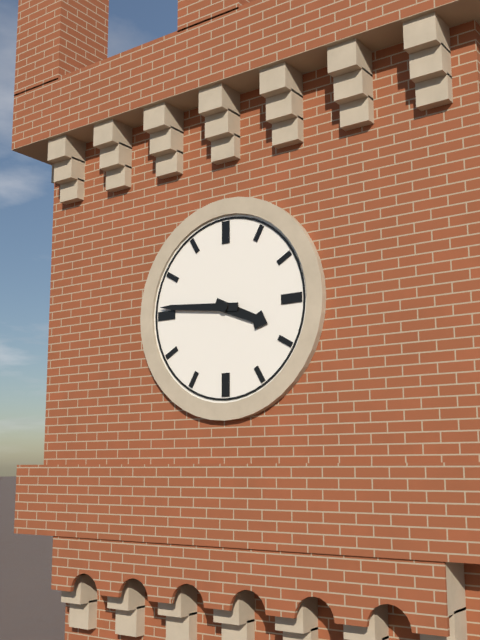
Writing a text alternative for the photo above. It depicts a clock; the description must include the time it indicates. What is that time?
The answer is 3:46
